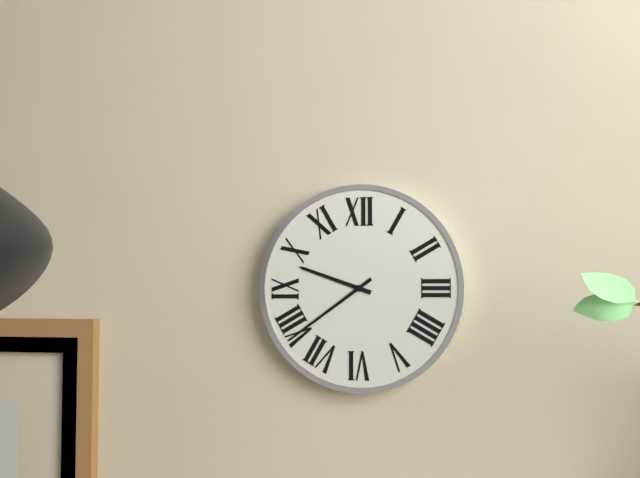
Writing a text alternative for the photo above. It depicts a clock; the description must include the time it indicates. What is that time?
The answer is 9:39
